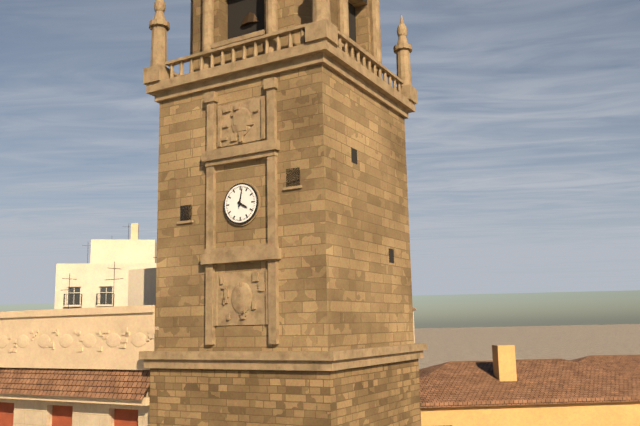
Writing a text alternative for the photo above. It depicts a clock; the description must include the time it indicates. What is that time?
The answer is 4:02
